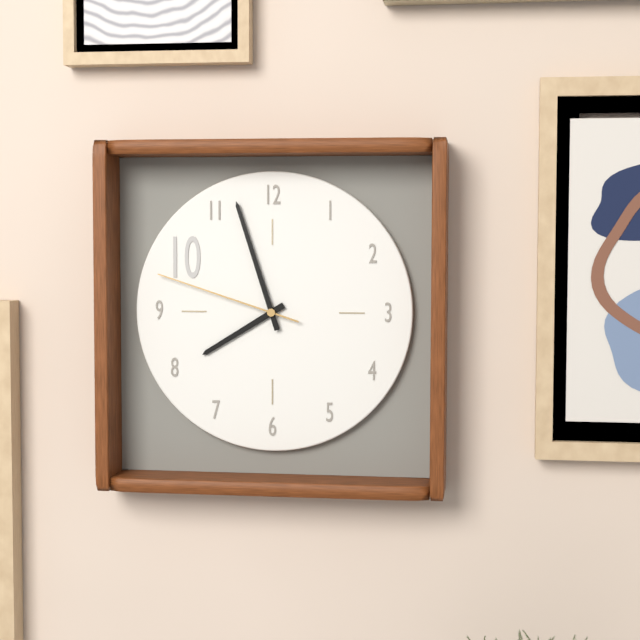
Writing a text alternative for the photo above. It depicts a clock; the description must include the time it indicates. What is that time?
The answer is 7:57:48
